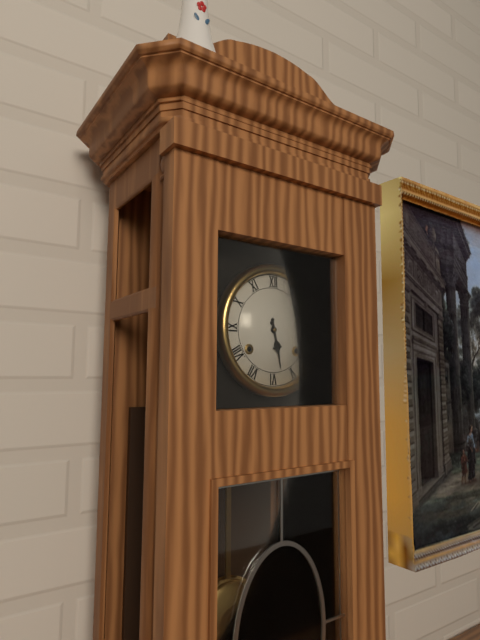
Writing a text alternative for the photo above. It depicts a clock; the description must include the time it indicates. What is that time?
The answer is 5:28
